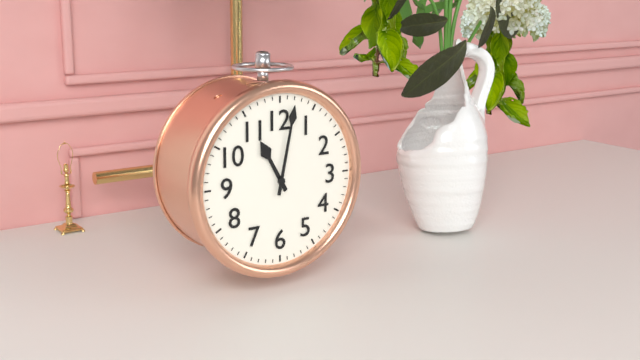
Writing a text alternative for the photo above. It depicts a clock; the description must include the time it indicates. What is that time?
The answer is 11:02
